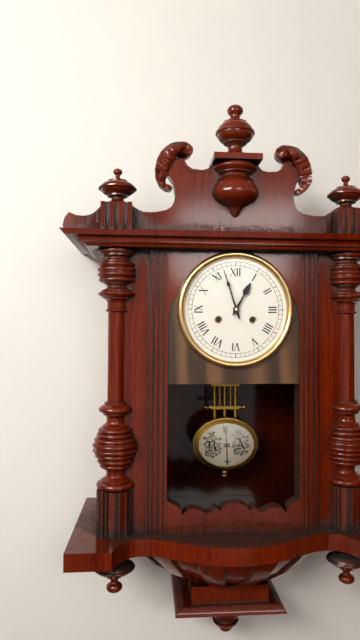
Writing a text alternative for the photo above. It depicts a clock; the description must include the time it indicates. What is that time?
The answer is 12:57
